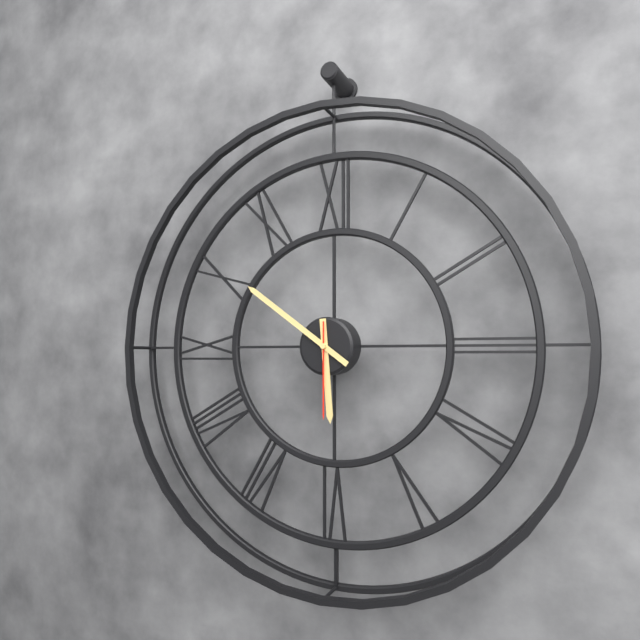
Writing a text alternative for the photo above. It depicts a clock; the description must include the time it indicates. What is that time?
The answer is 5:51:30
